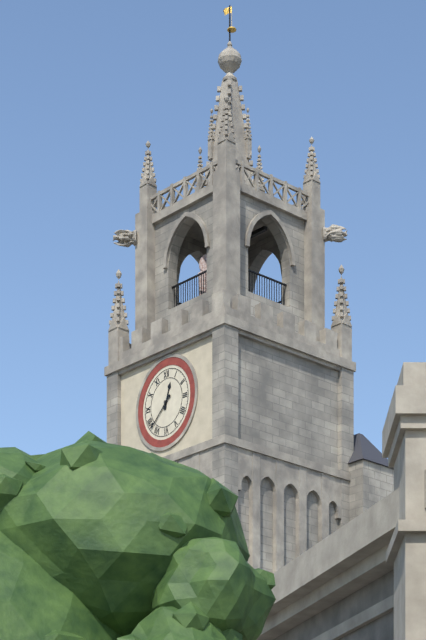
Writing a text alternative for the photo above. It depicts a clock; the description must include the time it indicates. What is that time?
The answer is 12:38
